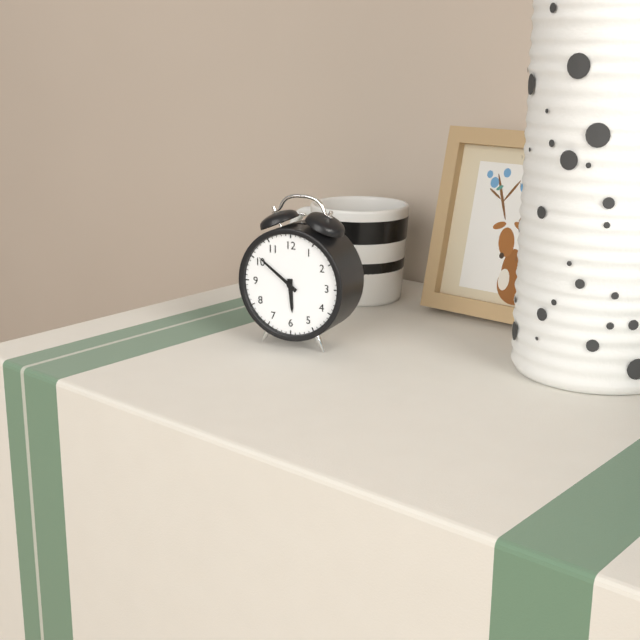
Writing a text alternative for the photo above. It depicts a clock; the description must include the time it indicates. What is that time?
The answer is 5:51
